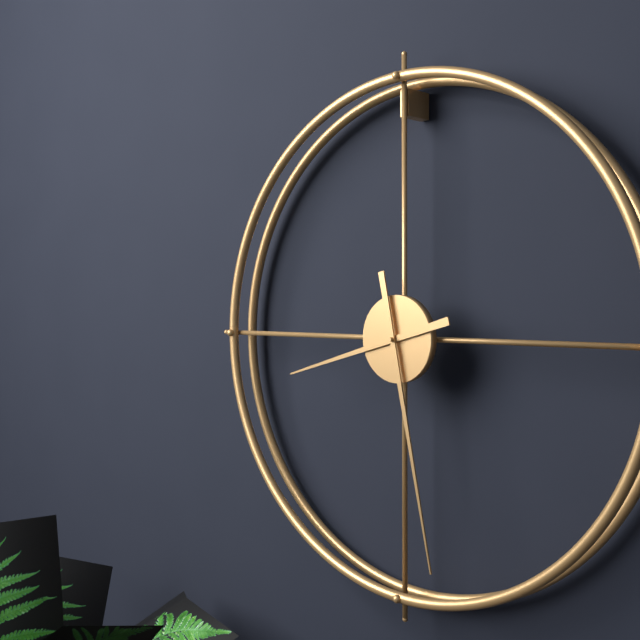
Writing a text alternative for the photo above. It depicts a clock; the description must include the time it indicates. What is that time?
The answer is 8:28
